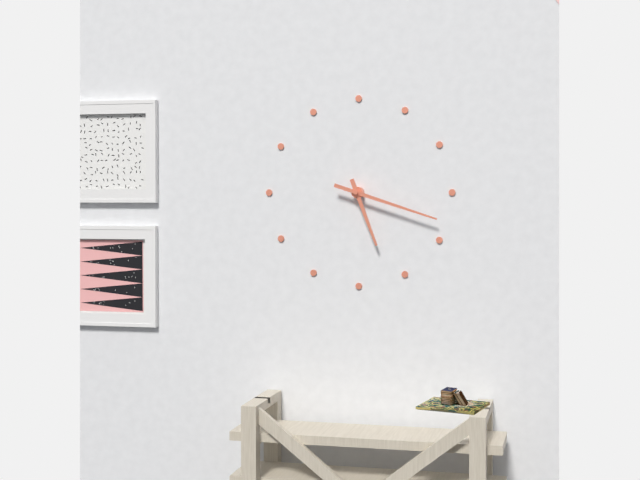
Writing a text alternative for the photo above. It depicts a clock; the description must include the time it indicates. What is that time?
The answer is 5:18
